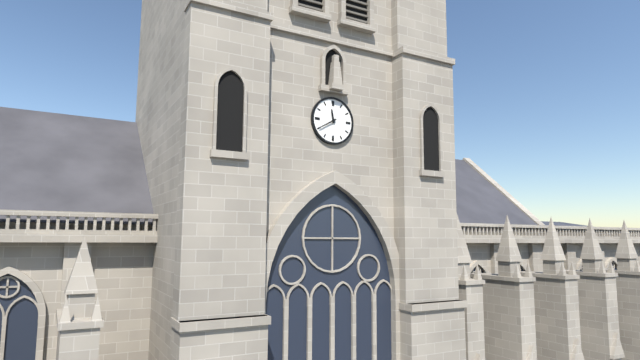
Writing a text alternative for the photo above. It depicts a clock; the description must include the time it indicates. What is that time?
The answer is 11:40
